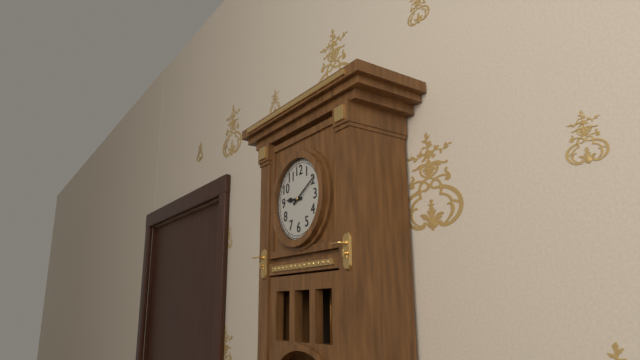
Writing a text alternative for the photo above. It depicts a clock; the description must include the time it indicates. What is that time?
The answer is 9:10
